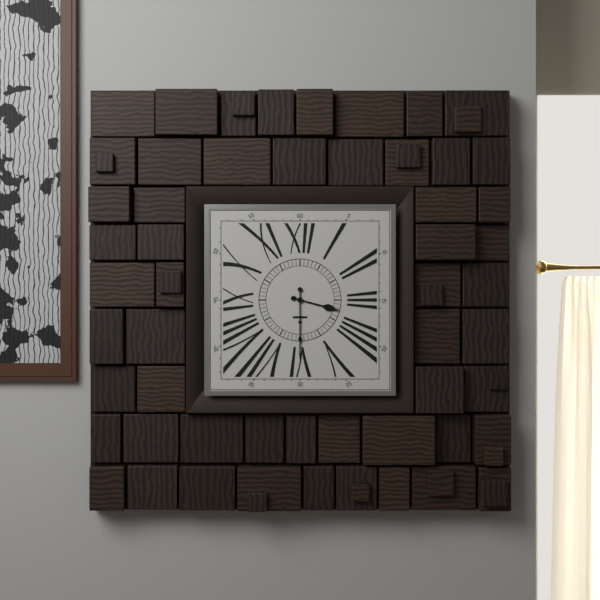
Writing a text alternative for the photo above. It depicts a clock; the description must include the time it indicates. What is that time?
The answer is 3:30
